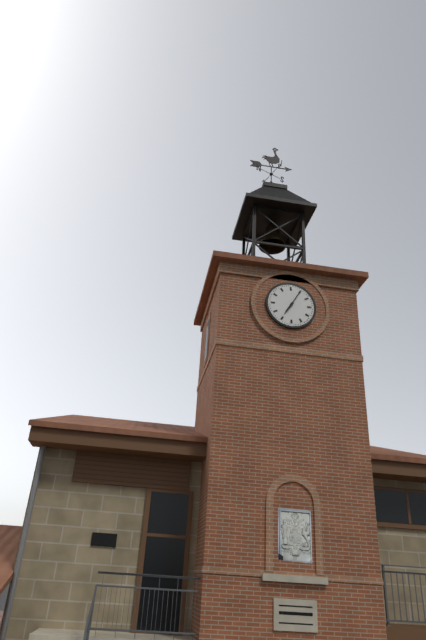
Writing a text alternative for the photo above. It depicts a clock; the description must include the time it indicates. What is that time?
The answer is 7:05
